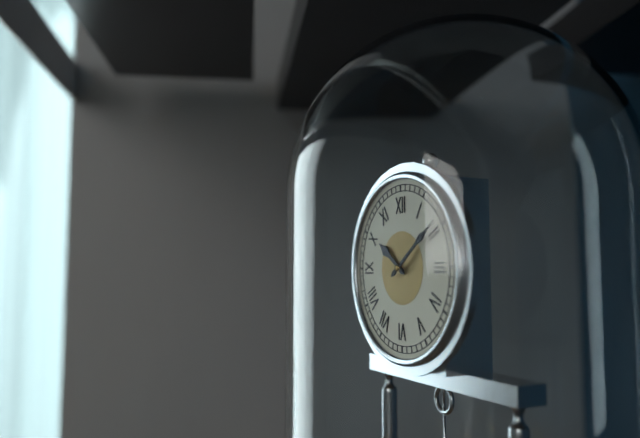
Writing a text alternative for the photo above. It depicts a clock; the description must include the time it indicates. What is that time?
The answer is 10:09
